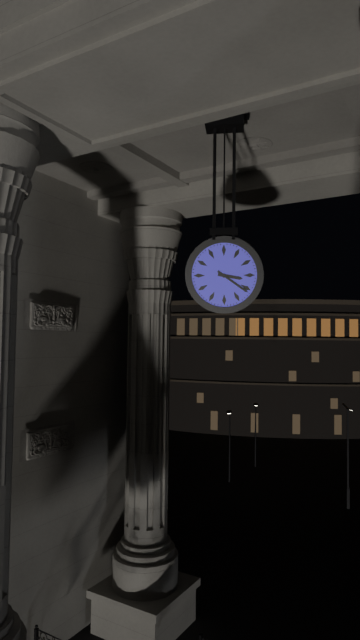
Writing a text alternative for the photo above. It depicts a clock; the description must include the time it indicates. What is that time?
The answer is 3:21
